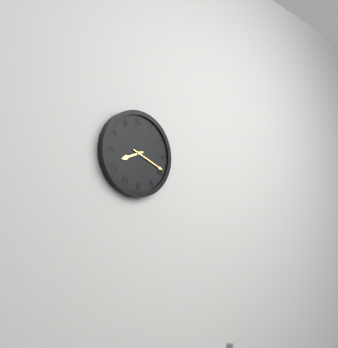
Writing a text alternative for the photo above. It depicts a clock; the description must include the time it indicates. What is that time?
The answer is 8:19
